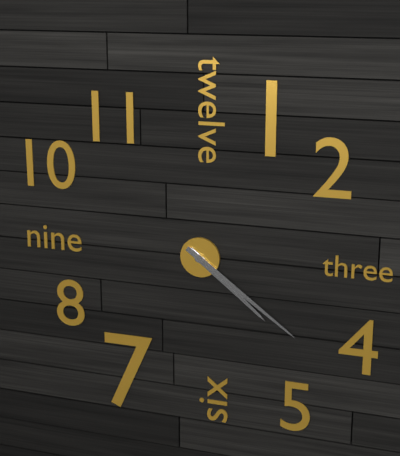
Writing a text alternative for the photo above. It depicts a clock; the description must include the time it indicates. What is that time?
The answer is 4:21
